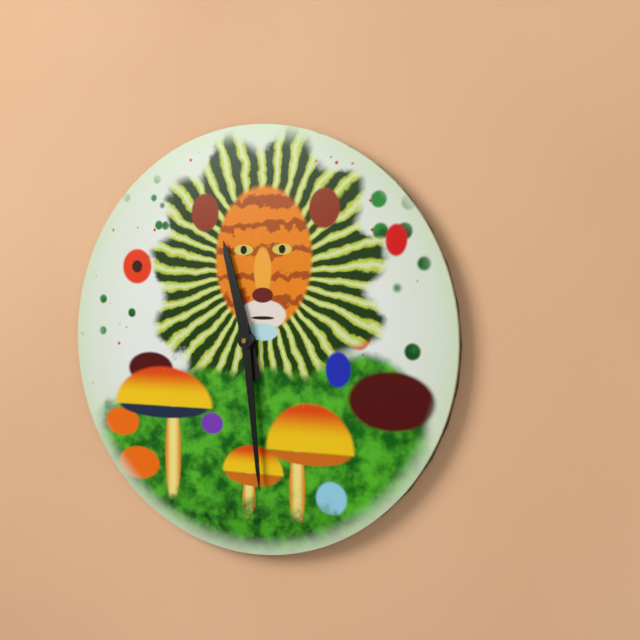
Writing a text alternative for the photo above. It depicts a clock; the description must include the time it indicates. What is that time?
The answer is 11:29
